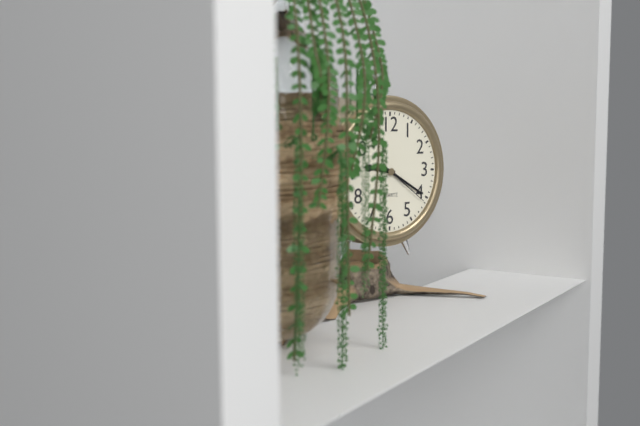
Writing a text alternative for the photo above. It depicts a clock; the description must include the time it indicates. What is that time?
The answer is 9:20:21
